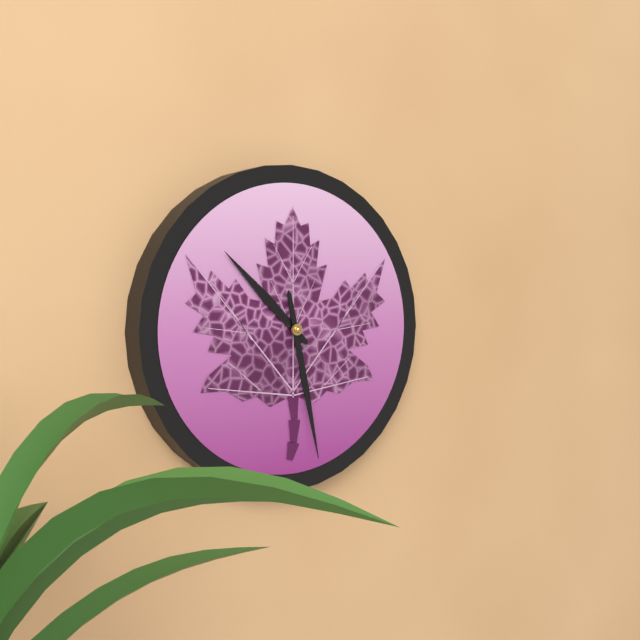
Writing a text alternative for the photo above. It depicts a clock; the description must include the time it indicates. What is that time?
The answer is 10:28
